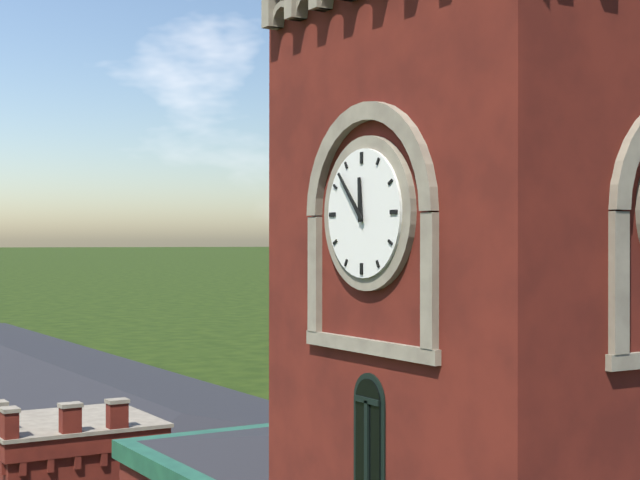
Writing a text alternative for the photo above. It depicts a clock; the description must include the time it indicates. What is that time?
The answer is 11:53
